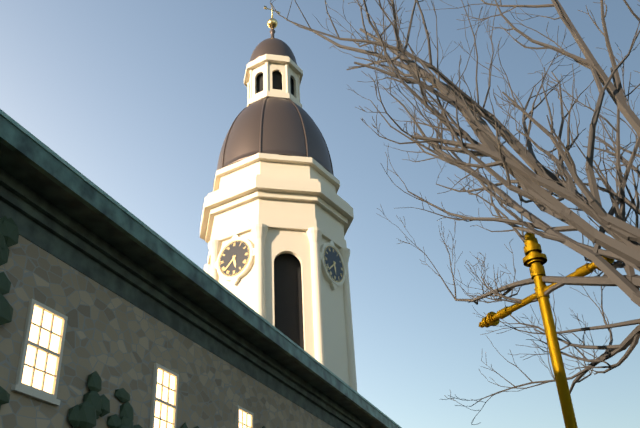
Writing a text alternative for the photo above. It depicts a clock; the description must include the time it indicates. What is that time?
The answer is 5:38
